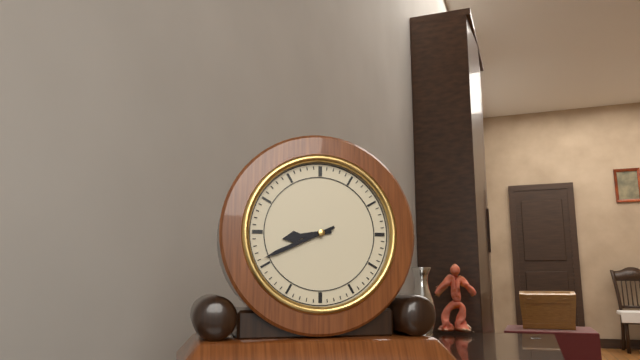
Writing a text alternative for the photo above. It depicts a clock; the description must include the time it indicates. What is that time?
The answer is 8:41
